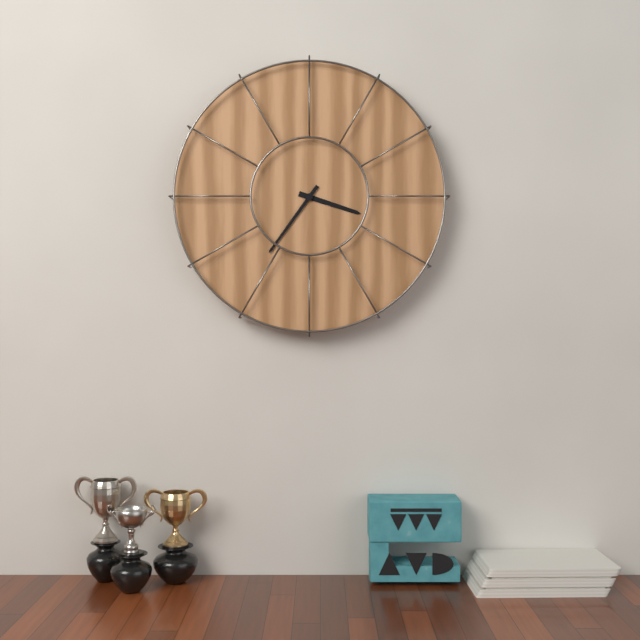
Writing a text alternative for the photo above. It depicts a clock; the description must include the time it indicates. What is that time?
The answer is 3:36
